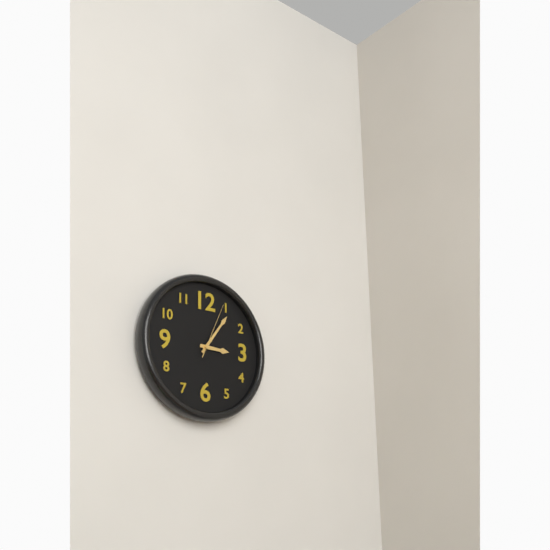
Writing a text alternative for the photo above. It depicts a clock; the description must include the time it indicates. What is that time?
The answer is 3:06:04
